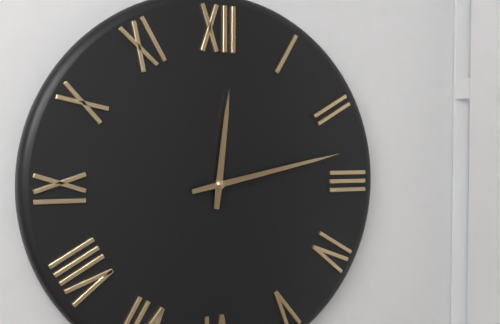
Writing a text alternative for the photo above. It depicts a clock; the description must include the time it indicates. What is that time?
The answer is 12:13
